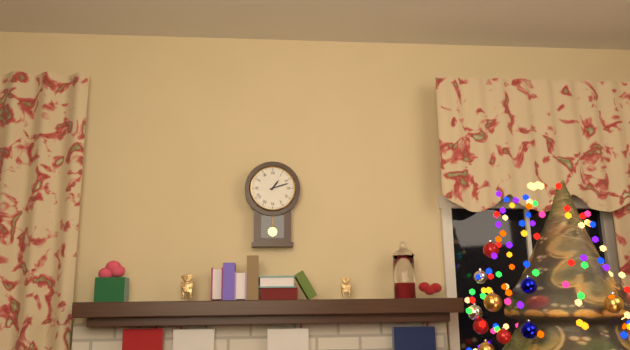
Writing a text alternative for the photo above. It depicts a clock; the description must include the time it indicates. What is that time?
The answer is 1:12
